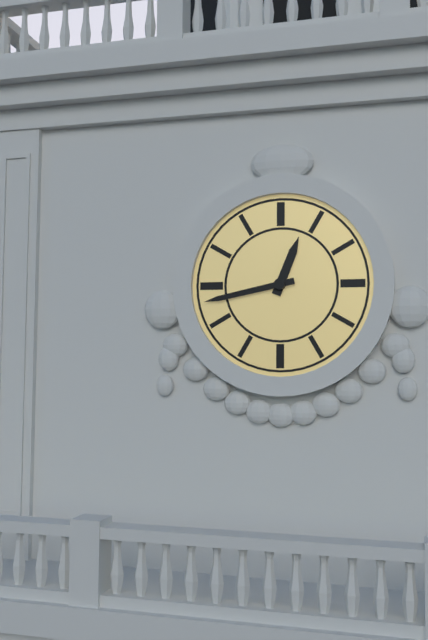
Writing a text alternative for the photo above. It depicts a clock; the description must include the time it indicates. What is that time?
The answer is 12:43
